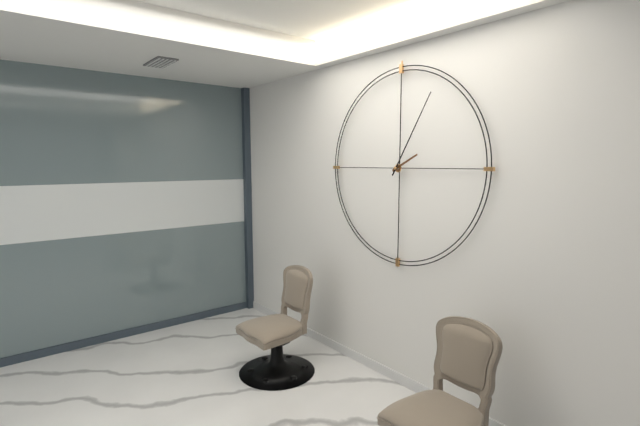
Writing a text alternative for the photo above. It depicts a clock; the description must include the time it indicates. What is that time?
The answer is 2:05
